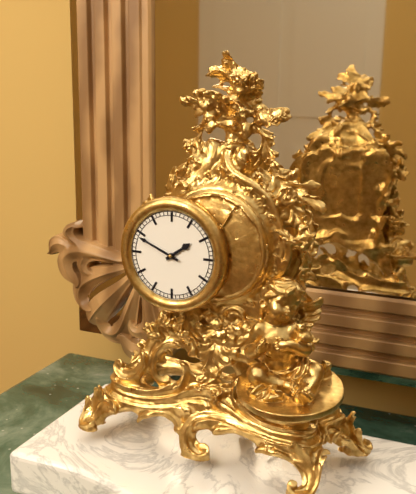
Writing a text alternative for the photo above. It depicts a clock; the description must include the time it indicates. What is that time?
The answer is 1:49
